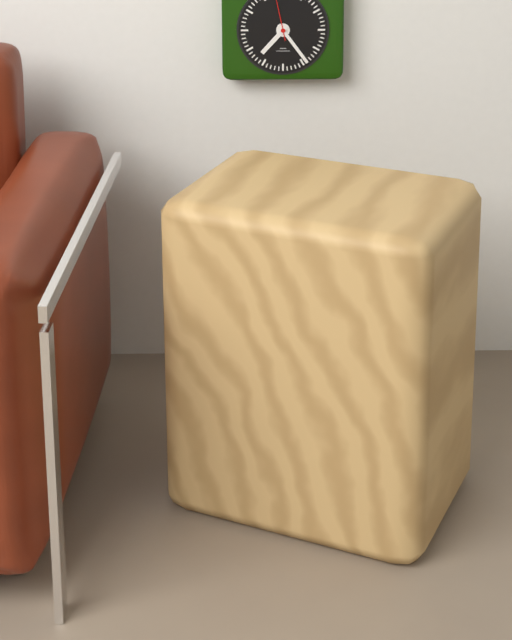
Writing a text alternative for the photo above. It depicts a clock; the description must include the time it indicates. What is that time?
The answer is 7:24
